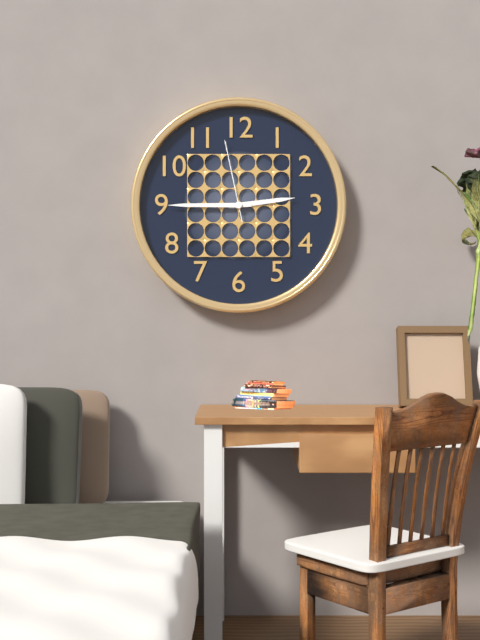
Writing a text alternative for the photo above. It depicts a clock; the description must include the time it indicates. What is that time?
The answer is 2:45:58
